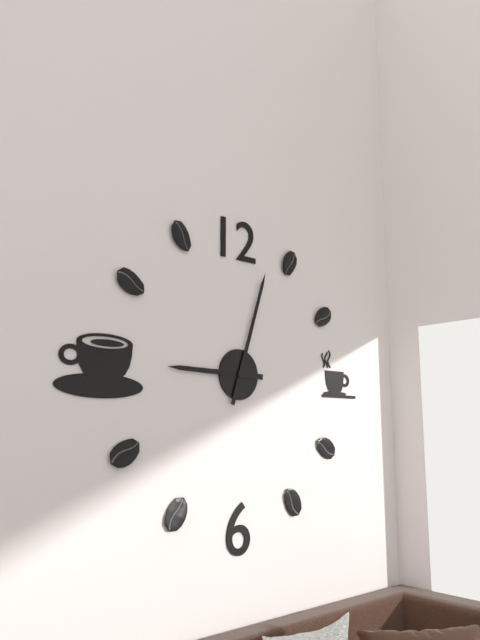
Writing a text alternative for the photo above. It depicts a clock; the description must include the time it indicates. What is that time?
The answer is 9:03
